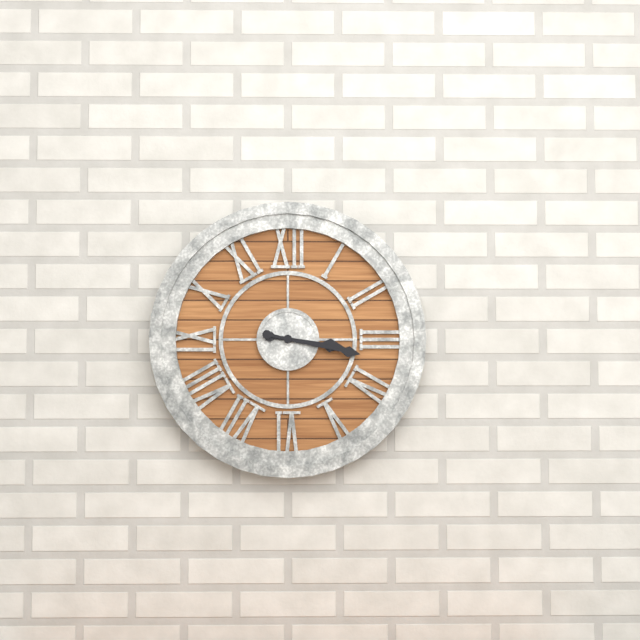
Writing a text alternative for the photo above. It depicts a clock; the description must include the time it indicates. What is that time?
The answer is 3:17
